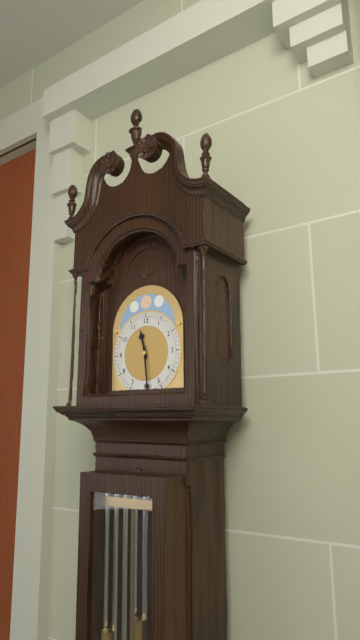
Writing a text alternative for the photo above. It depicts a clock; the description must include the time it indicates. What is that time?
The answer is 11:29
